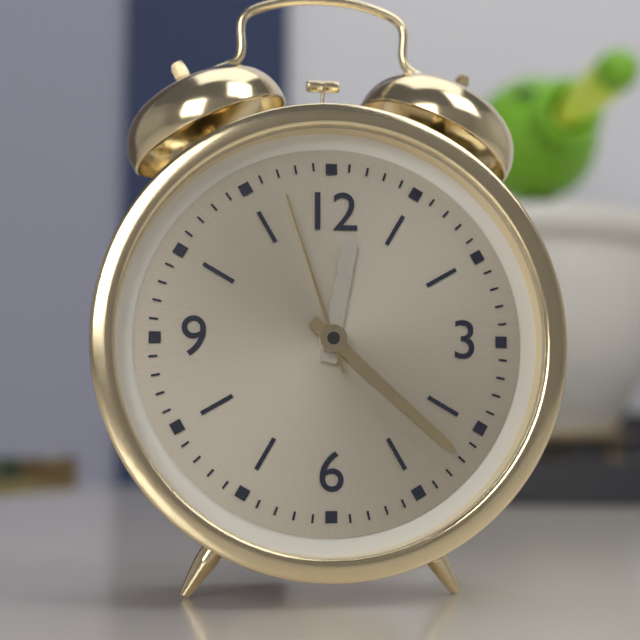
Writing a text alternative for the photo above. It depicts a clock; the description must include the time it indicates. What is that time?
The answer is 12:22:57
